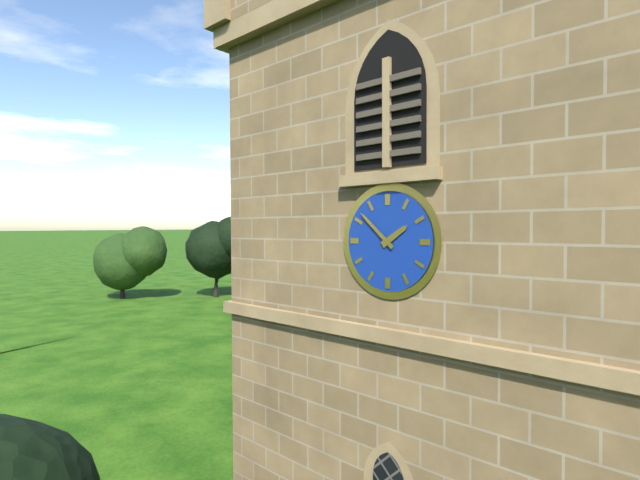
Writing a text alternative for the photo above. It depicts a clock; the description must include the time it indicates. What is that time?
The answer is 1:52
